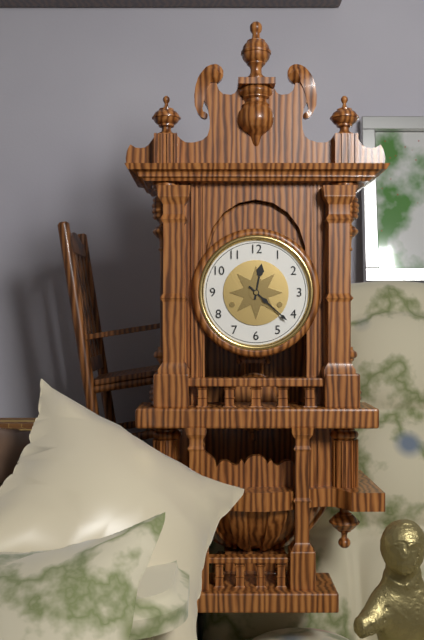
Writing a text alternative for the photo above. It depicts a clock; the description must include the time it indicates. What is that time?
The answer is 12:22
